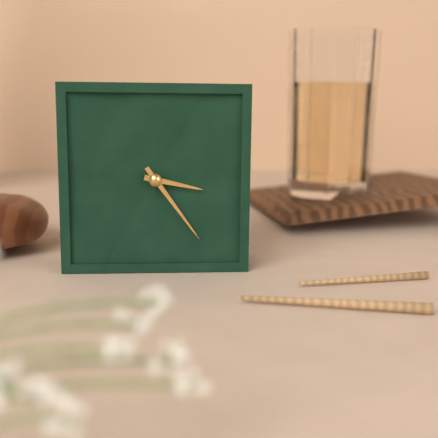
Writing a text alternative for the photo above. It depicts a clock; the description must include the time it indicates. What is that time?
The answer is 3:24
